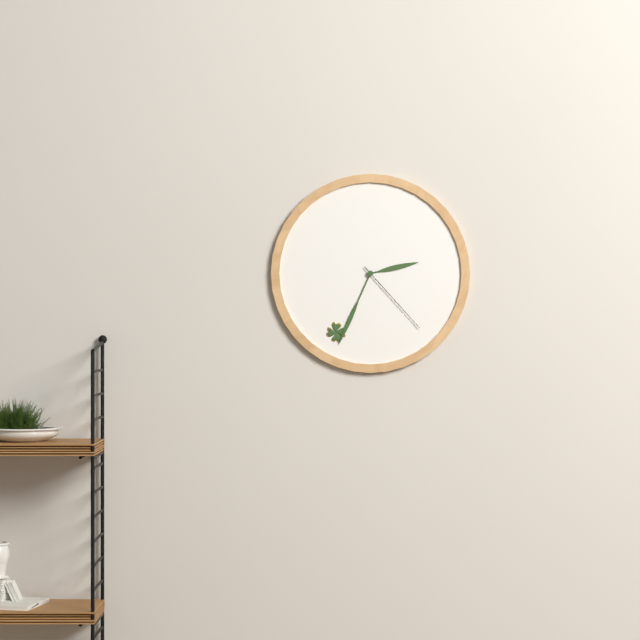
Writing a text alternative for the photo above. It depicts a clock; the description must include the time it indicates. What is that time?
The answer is 2:34:23
